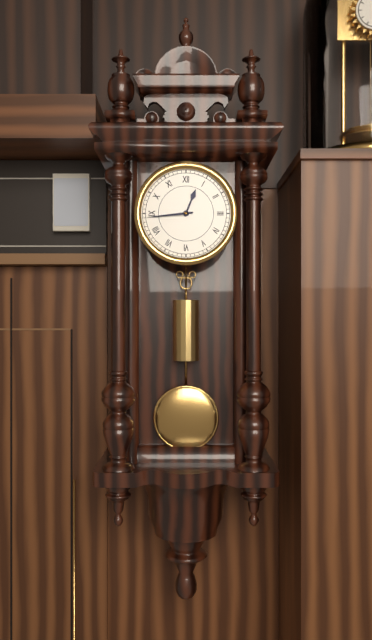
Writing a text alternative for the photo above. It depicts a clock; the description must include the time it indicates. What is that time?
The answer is 12:44
